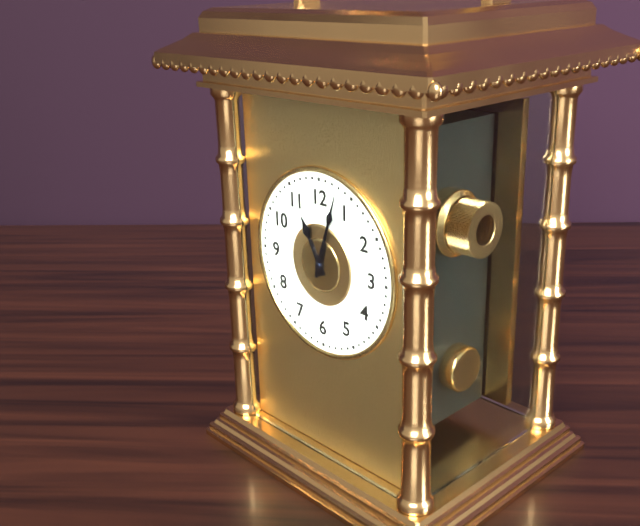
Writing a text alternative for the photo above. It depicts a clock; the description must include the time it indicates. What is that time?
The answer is 11:03
